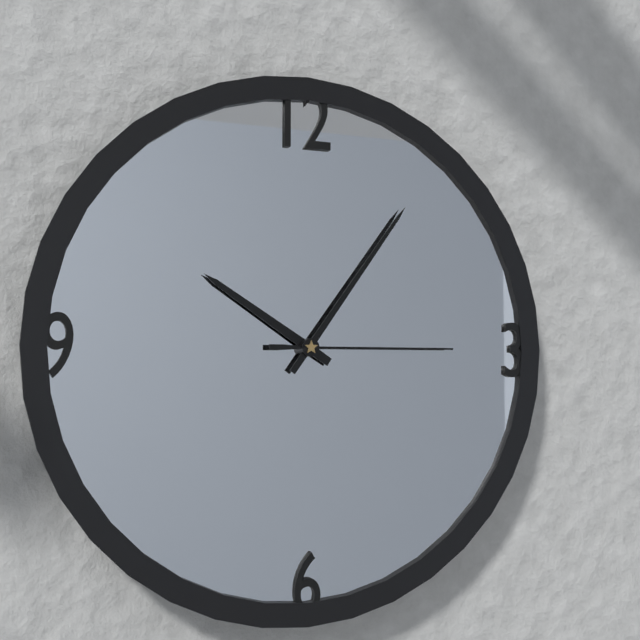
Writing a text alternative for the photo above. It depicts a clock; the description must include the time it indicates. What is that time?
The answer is 10:06:15
